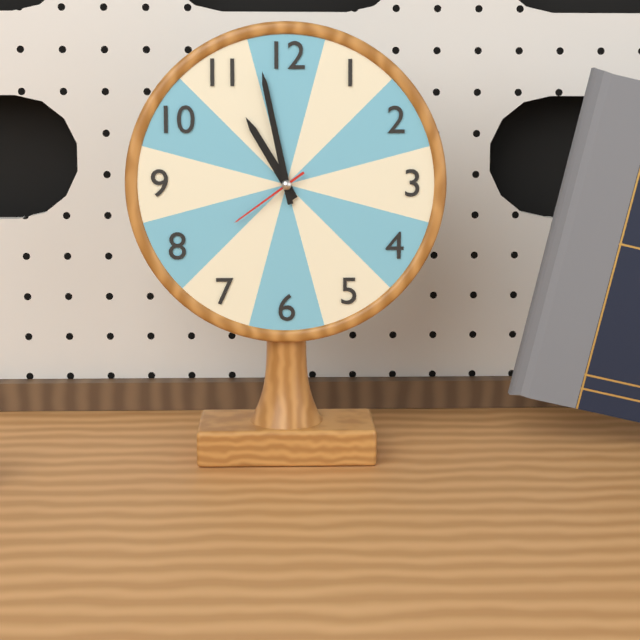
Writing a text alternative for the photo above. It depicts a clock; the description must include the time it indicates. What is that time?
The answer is 10:58:39
